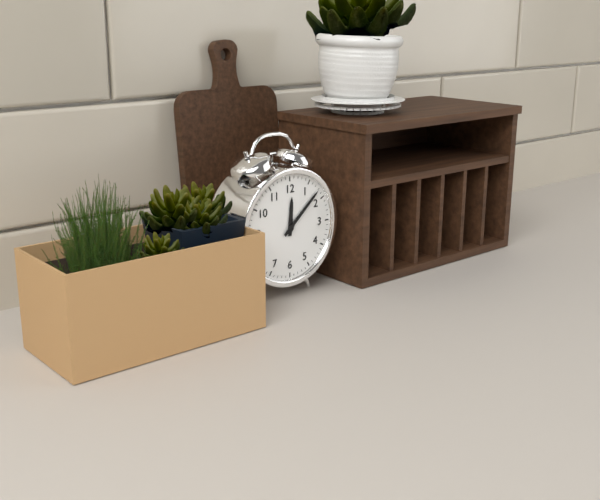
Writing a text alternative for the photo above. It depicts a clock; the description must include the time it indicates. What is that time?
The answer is 12:08
